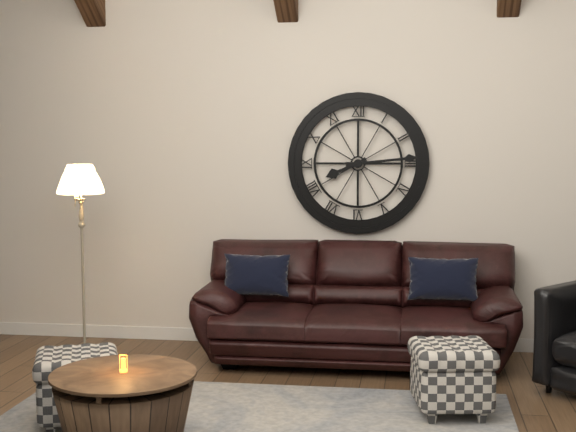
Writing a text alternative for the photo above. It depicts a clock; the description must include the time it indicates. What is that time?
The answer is 8:14
